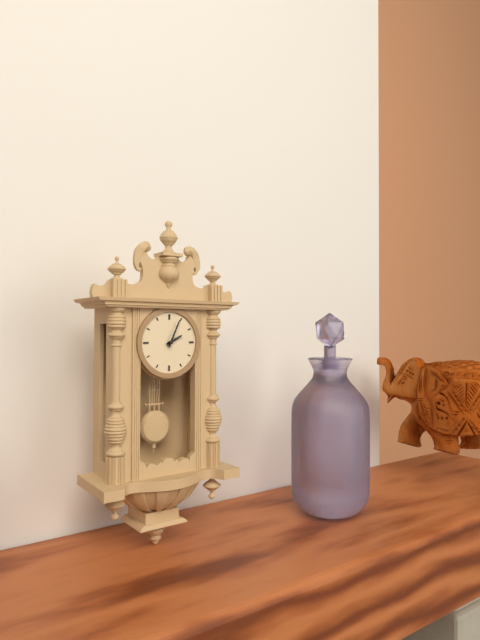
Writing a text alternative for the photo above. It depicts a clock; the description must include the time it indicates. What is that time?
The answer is 2:04
